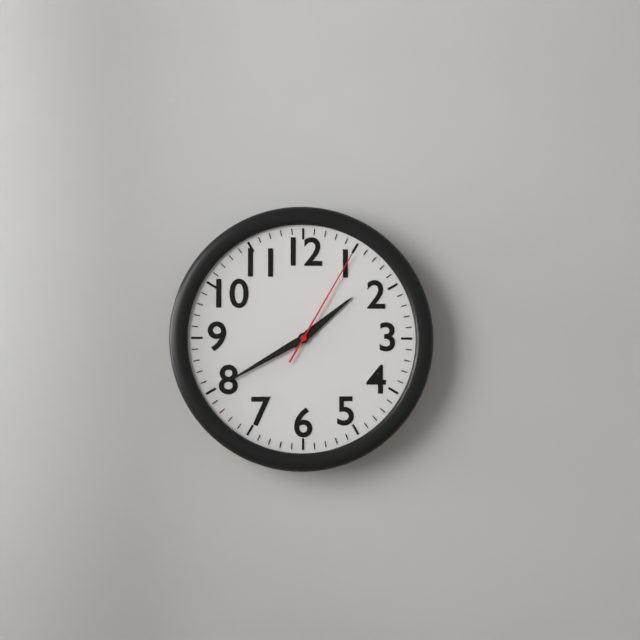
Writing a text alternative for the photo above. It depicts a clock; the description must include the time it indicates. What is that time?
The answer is 1:40:05
